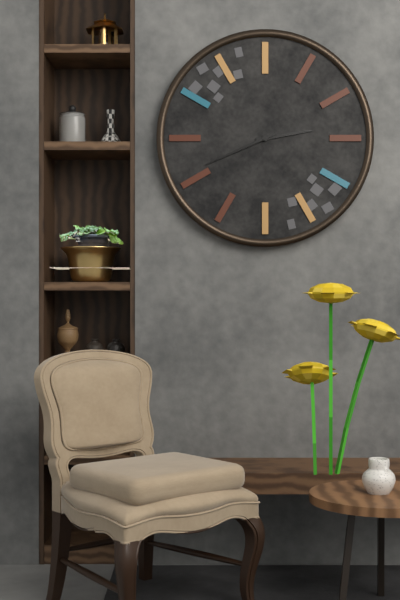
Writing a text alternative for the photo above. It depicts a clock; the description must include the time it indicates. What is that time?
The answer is 2:41
